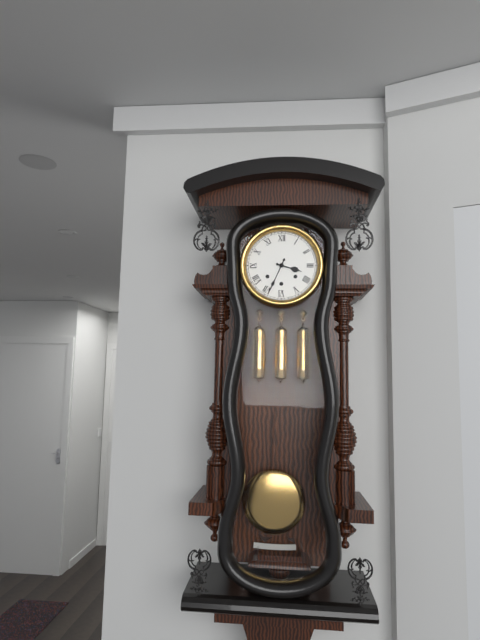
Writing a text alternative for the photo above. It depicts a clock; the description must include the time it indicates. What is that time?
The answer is 3:34
